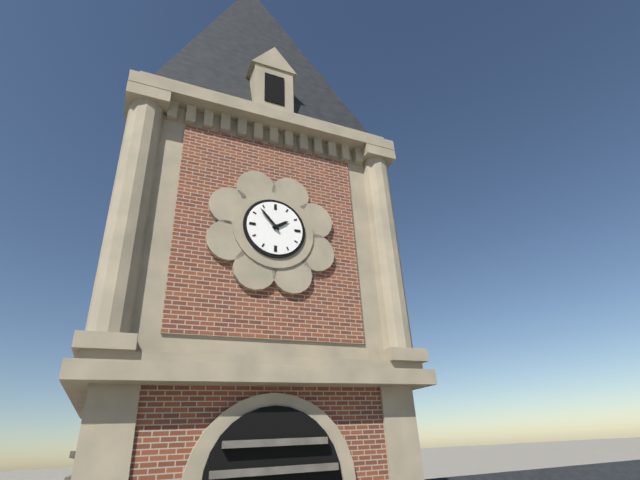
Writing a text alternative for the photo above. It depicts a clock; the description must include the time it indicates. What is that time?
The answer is 1:53
